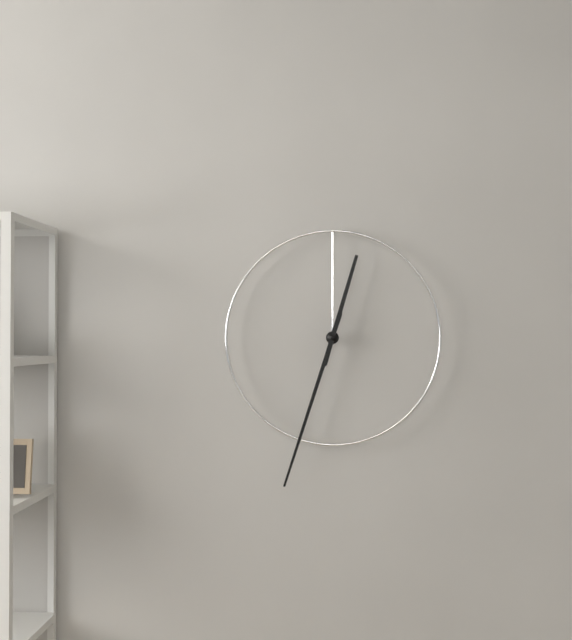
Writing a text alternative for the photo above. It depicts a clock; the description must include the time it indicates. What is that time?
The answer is 12:33
